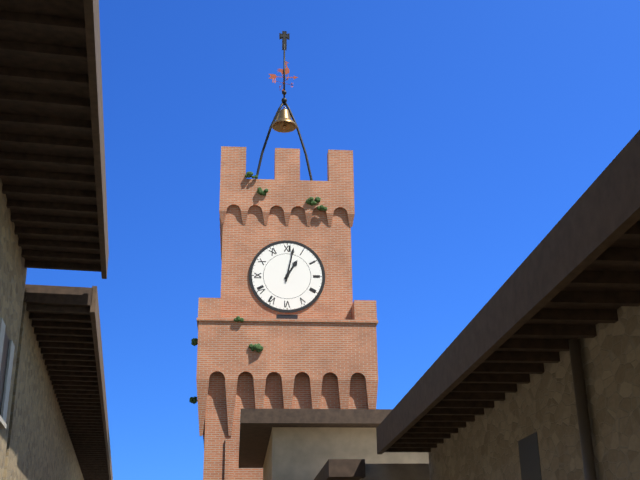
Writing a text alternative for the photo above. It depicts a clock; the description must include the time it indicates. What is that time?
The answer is 1:02
